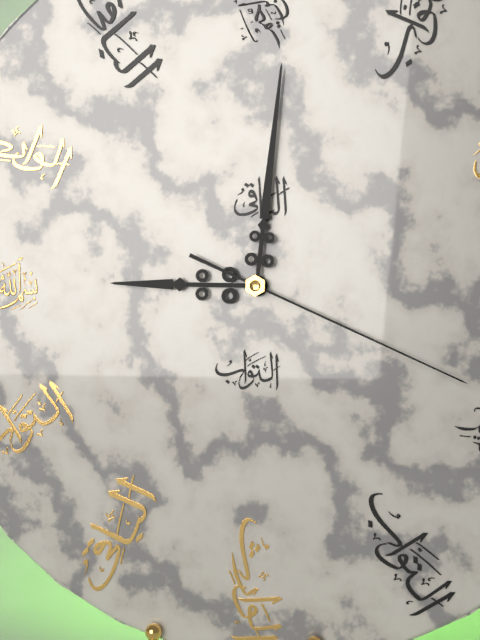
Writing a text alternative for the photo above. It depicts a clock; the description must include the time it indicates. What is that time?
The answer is 9:01:19
